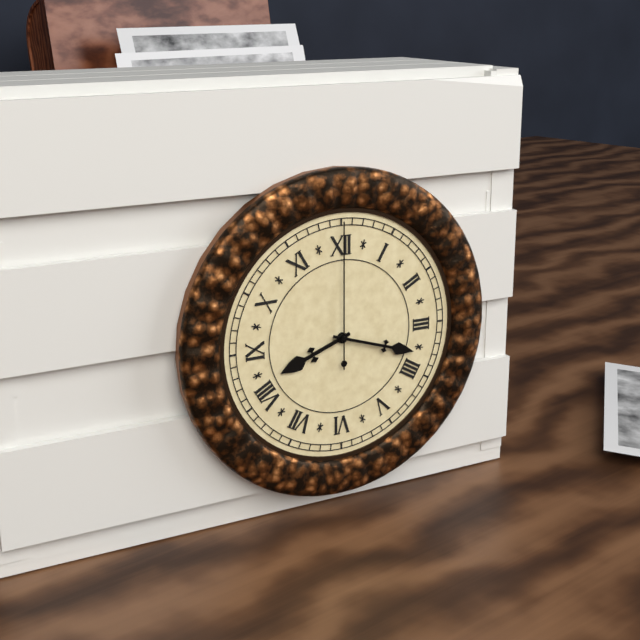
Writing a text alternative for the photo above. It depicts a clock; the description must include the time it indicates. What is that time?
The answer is 8:18:00
